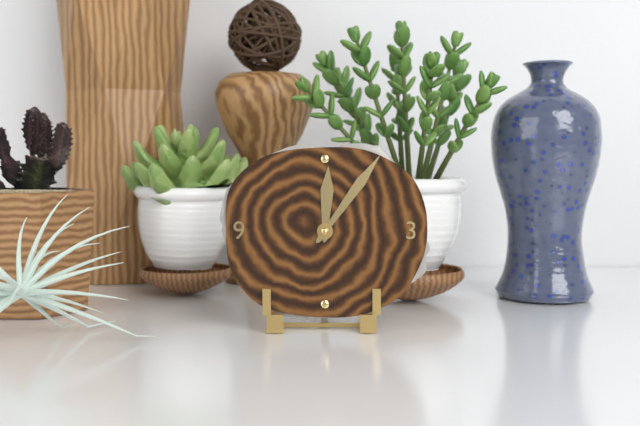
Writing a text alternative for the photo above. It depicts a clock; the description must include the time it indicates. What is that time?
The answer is 12:06
